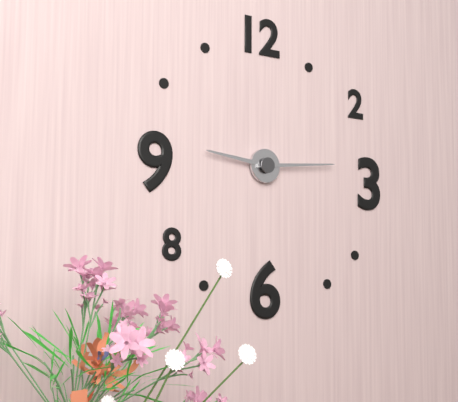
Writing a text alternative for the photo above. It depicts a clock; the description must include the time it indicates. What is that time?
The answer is 9:14
